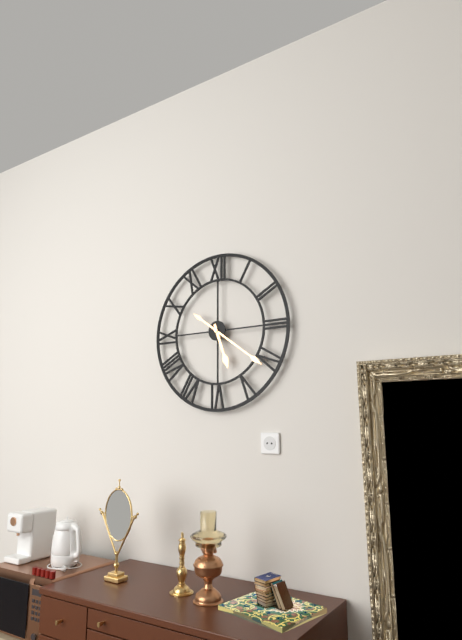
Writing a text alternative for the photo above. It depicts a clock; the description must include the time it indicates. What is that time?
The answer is 5:21
